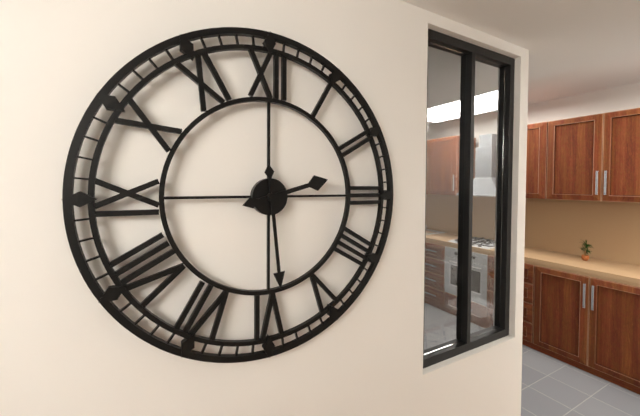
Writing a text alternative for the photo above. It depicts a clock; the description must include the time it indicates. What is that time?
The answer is 2:29
